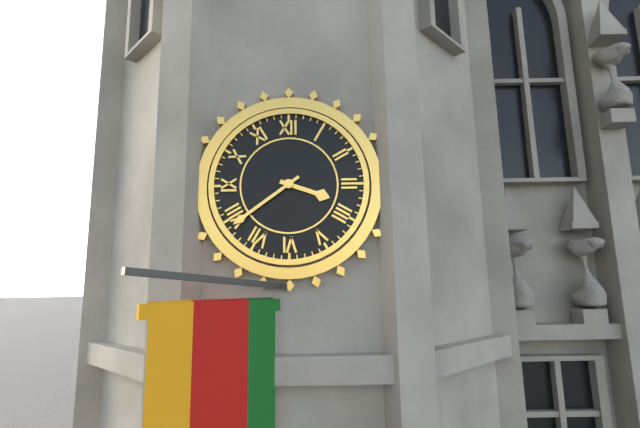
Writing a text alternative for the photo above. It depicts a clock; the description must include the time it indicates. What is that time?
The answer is 3:39
